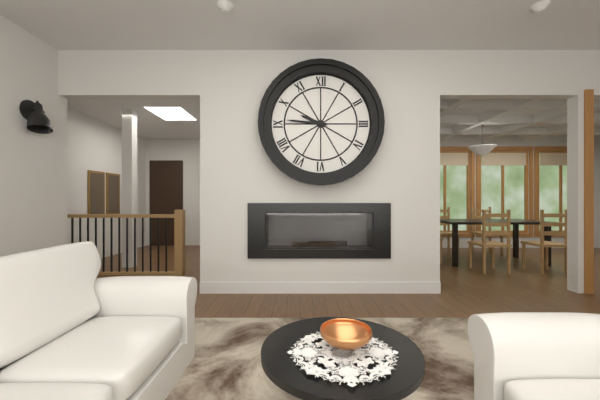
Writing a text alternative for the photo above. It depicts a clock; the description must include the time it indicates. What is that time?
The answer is 9:46
